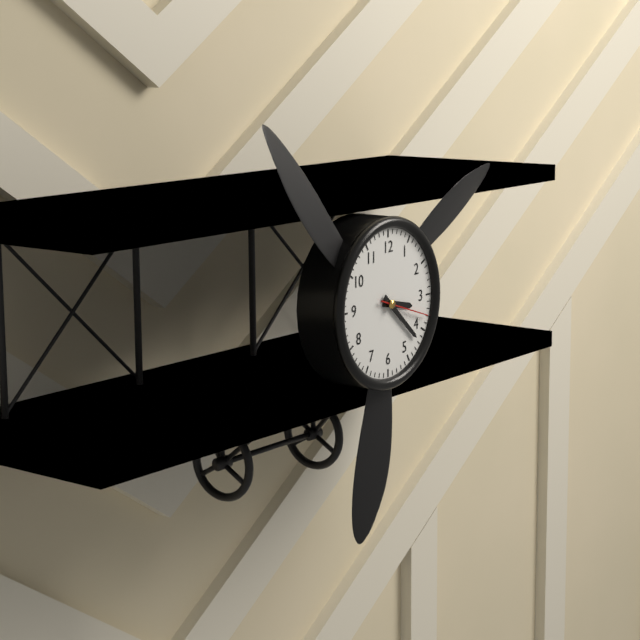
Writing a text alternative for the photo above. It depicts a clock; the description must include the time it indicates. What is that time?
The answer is 3:22
